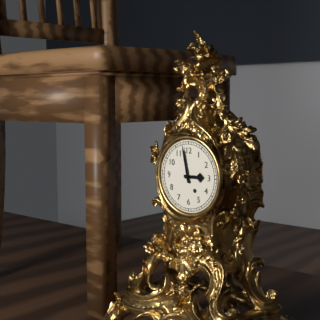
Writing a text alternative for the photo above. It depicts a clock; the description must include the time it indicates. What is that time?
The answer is 2:58
